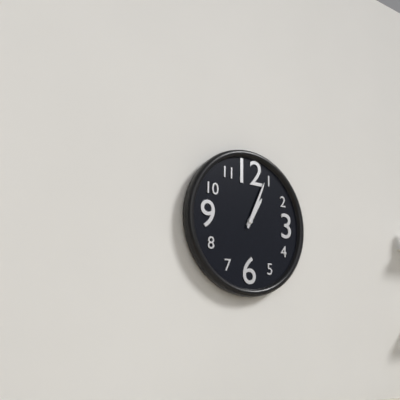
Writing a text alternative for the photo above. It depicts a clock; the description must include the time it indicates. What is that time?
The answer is 1:04
